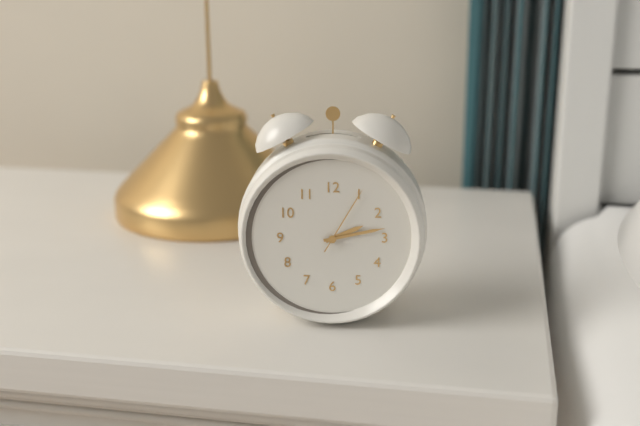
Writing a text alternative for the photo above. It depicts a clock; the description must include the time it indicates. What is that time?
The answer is 2:13:05
